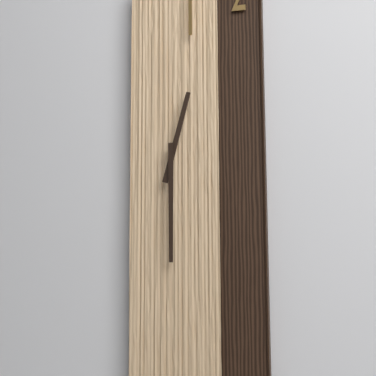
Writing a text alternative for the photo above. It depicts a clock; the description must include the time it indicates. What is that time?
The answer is 12:30
